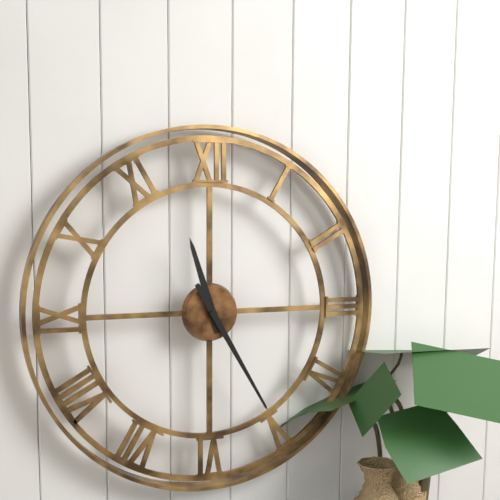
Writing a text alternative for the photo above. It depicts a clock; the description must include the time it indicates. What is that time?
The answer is 11:25
